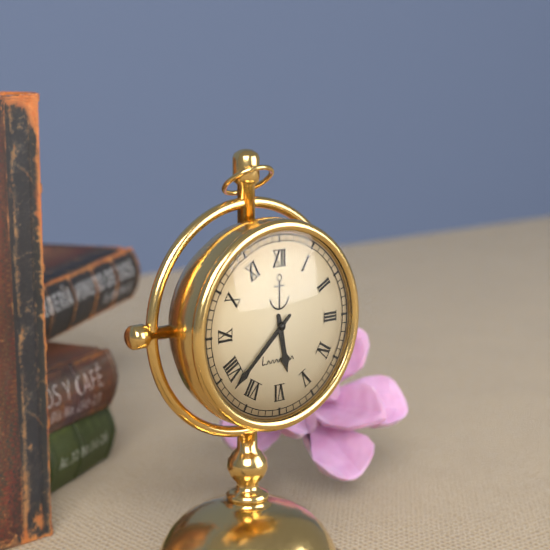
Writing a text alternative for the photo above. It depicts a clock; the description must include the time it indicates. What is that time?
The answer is 5:38
